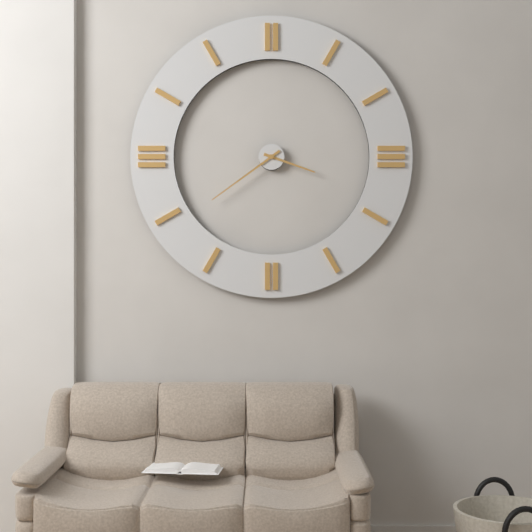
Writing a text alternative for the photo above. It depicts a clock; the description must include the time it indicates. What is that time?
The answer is 3:39
